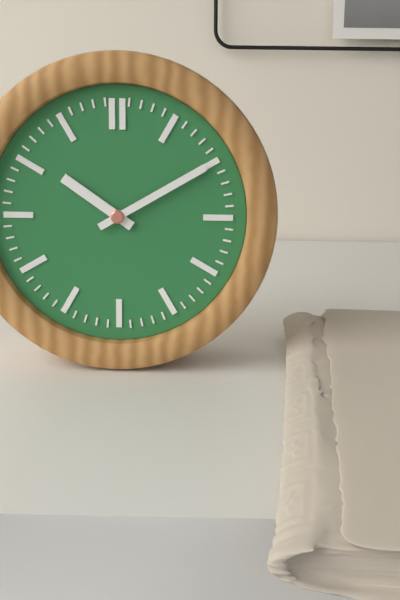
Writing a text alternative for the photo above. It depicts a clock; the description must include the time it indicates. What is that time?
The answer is 10:10
